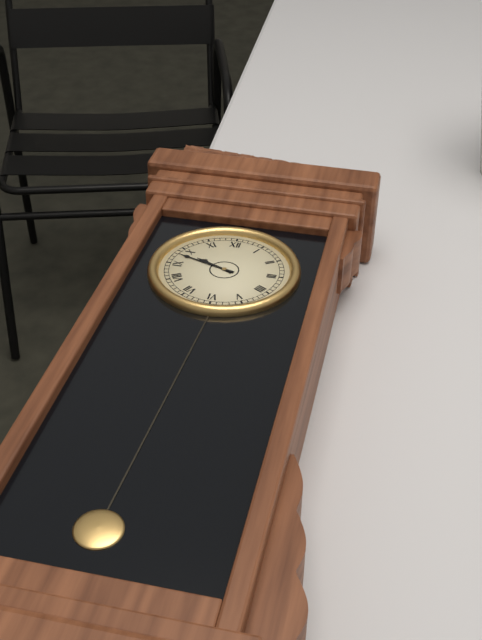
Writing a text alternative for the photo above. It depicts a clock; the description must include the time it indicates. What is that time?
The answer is 9:48
